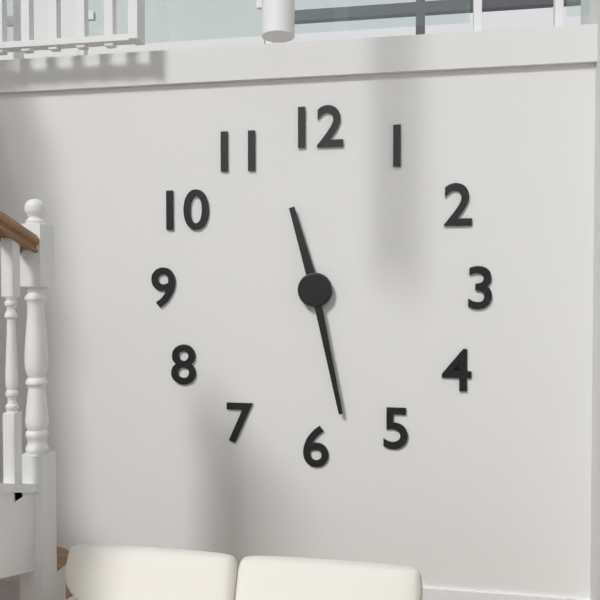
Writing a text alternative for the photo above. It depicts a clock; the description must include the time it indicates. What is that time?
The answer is 11:28
